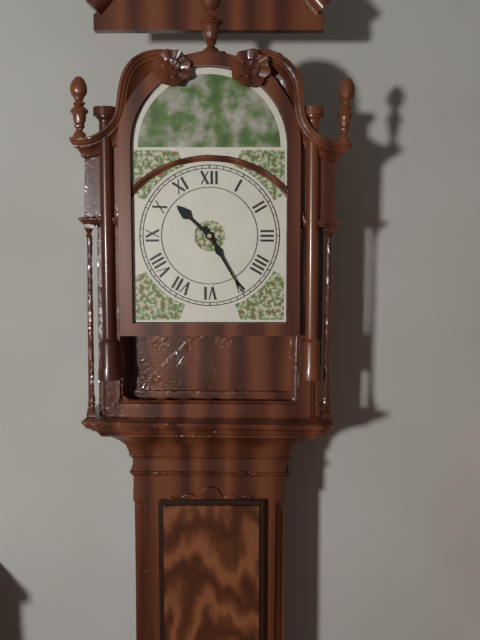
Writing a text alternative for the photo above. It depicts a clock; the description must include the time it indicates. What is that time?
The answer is 10:25
